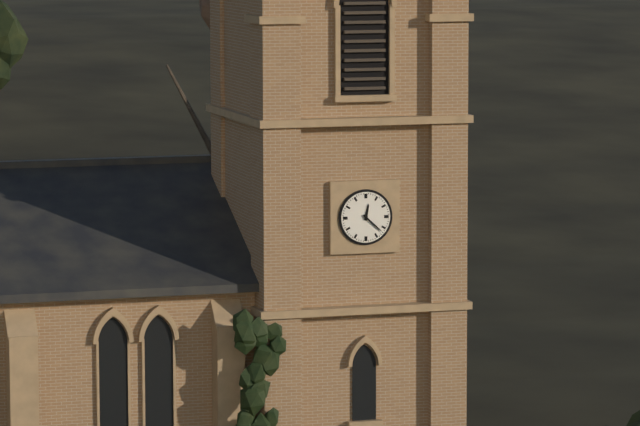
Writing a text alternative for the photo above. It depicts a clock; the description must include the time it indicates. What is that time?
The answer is 12:22
